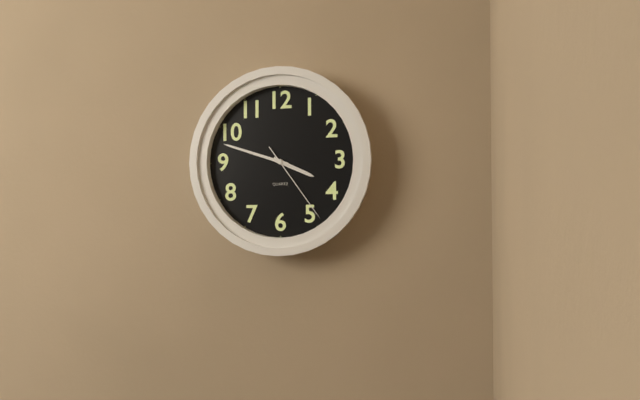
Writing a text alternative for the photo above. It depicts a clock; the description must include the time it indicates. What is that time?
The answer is 3:48:24
